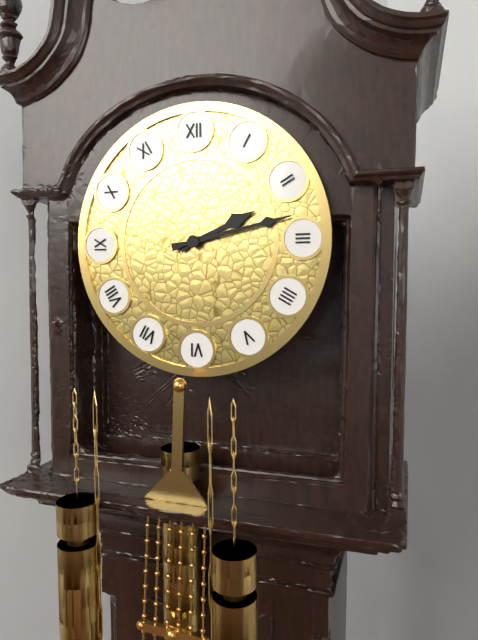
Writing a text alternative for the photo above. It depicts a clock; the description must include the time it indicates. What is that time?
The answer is 2:13
